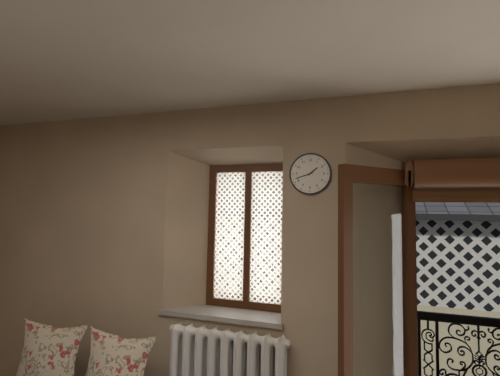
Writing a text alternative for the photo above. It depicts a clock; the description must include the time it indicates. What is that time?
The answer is 1:42
